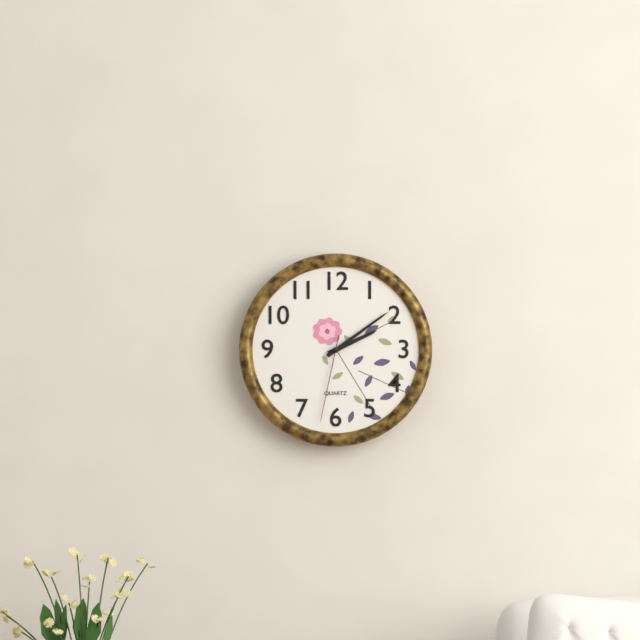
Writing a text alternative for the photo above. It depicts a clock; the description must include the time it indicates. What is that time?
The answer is 2:09:32
